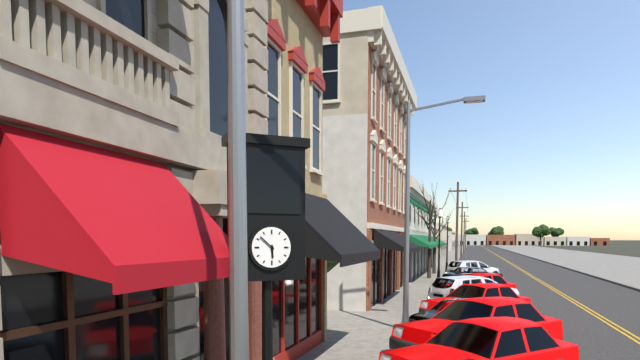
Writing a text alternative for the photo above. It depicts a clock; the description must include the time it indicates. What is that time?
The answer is 5:52
